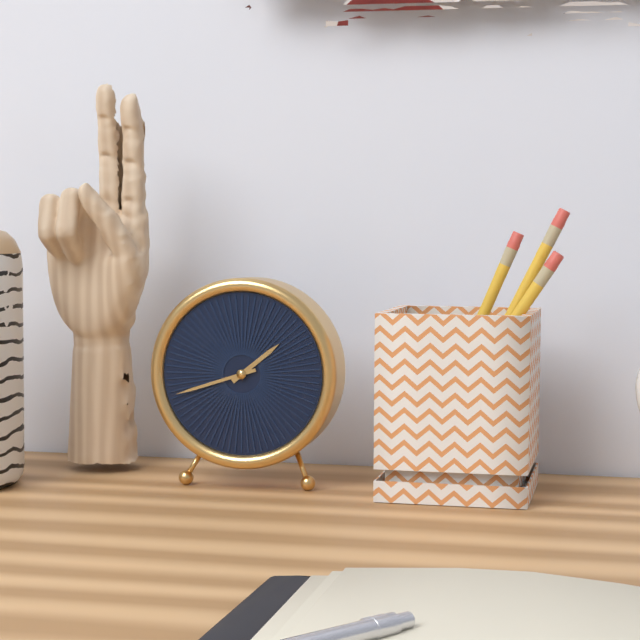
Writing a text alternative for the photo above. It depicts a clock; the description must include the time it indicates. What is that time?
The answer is 1:42
